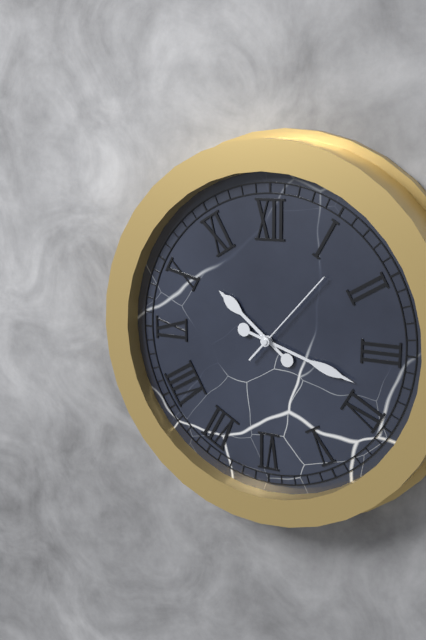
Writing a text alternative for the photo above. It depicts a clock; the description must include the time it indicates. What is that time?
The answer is 10:18:07
